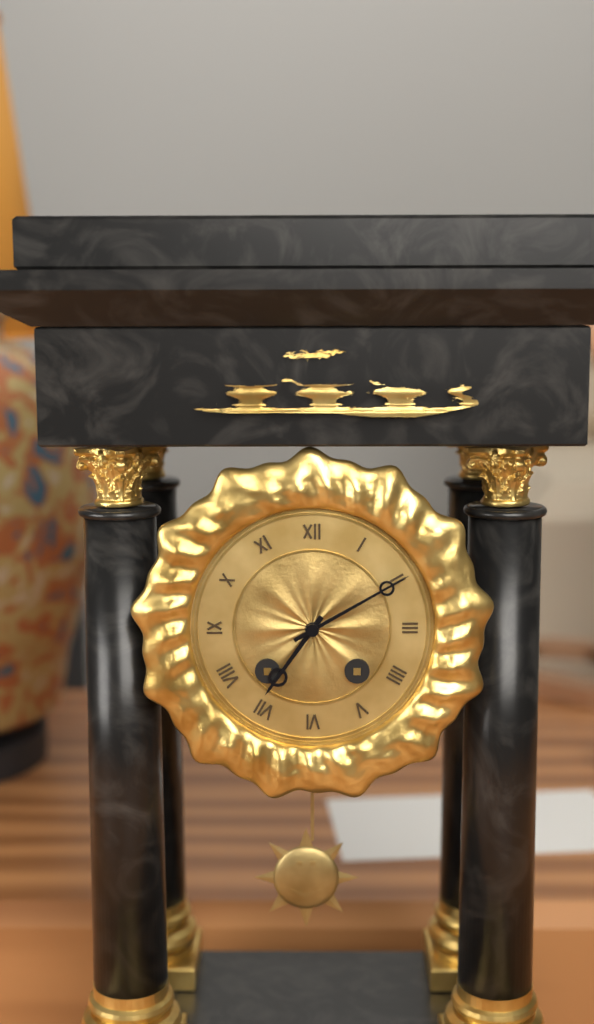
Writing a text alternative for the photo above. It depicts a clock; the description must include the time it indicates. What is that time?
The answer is 7:10
